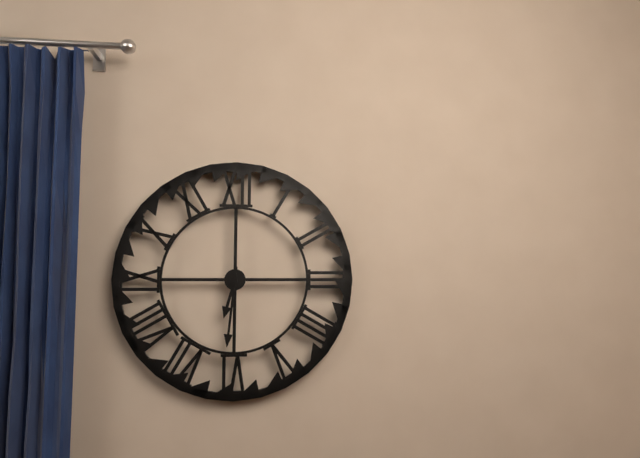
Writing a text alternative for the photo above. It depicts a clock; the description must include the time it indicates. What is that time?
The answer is 6:31
